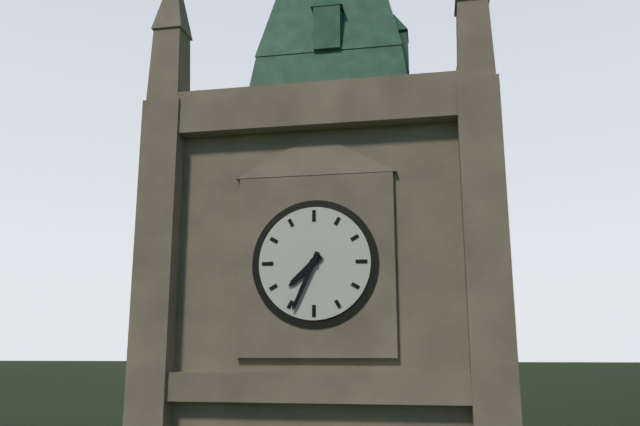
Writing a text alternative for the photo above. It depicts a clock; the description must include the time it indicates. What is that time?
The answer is 7:34
